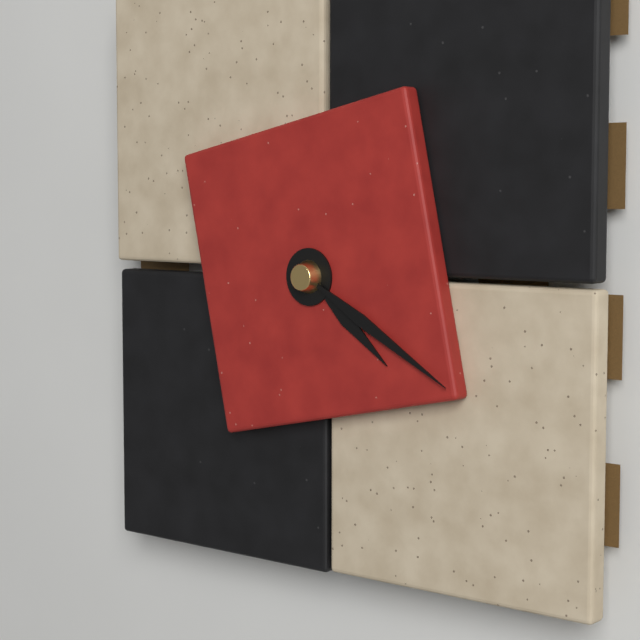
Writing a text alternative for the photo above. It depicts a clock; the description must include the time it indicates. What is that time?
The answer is 4:20
